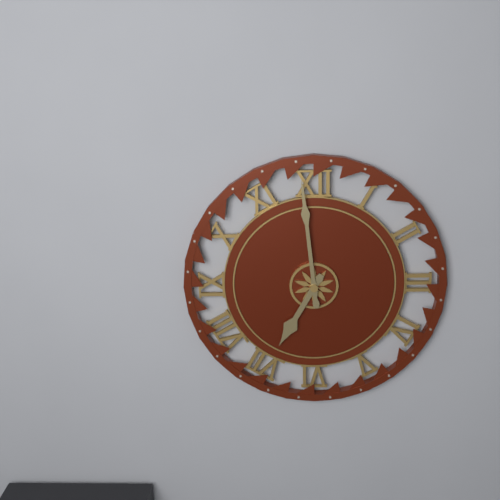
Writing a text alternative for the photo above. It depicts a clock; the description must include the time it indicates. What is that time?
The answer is 6:59
